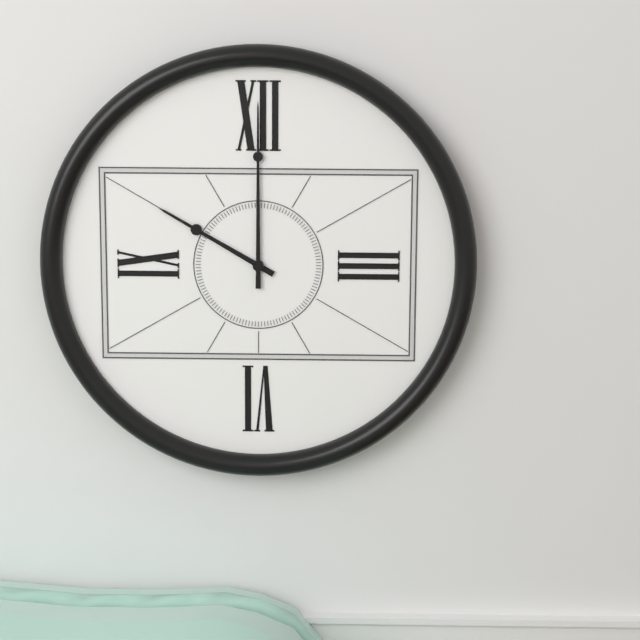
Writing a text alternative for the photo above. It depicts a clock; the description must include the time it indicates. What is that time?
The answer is 10:00
